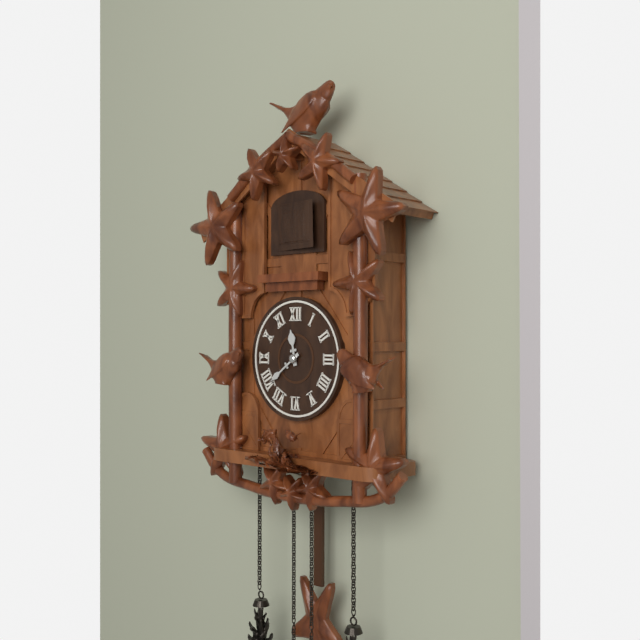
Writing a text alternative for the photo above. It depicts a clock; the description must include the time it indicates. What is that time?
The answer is 11:39
